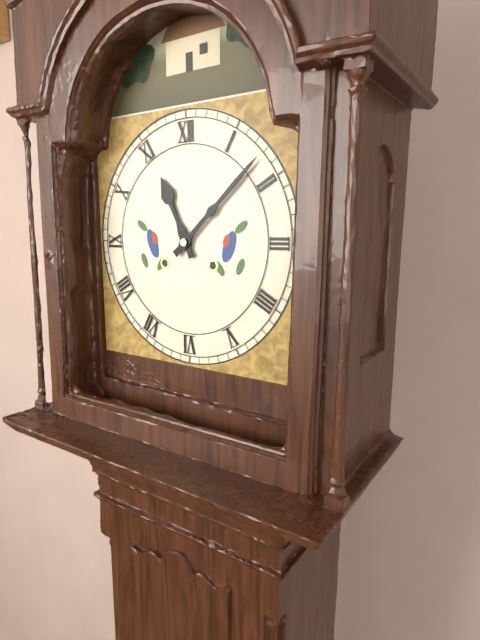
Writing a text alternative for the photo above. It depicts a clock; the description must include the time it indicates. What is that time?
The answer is 11:08
